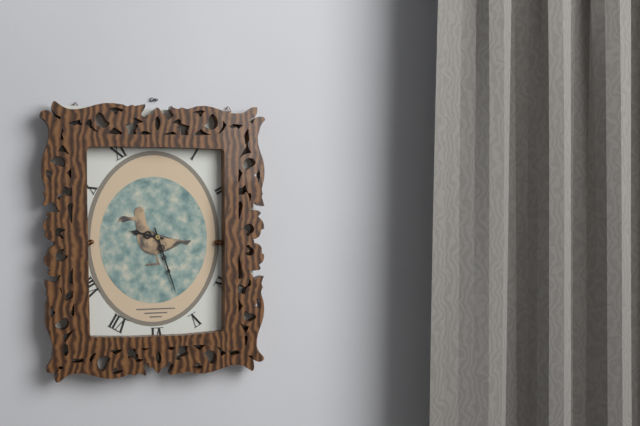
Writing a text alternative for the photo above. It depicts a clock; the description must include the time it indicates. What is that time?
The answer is 9:27
